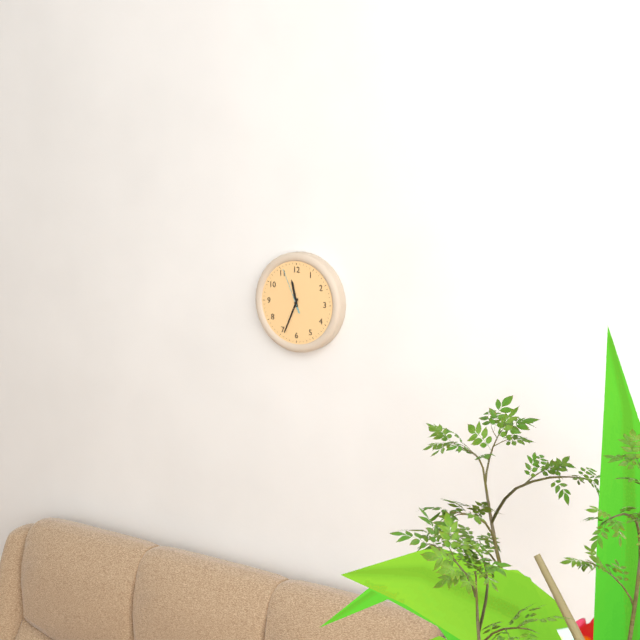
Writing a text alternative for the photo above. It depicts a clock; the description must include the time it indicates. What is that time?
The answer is 11:34
